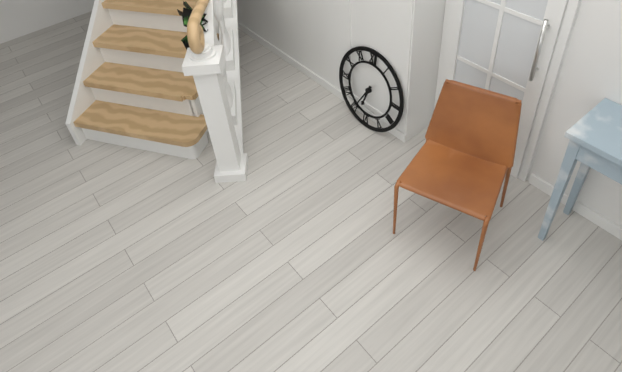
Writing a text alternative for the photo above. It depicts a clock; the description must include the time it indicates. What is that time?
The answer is 6:35
